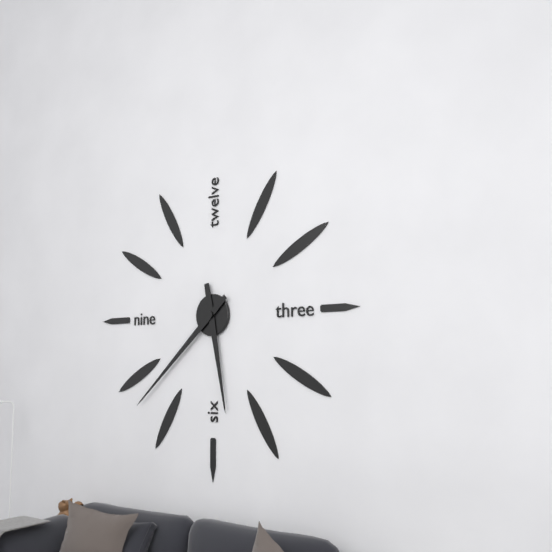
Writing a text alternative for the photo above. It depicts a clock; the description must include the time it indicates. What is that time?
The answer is 5:38
